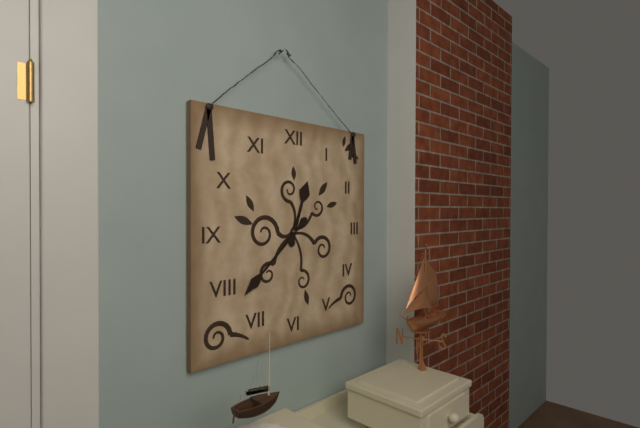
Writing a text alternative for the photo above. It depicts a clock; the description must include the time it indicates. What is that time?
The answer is 12:38
